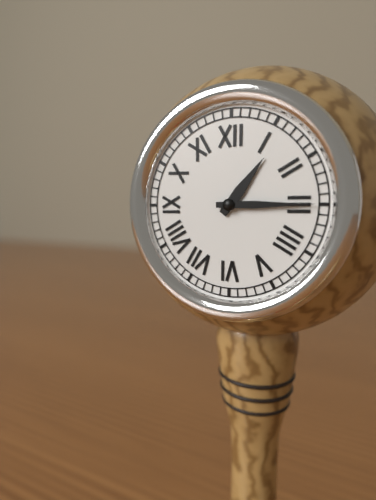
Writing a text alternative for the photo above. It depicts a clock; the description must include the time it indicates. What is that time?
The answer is 1:15
